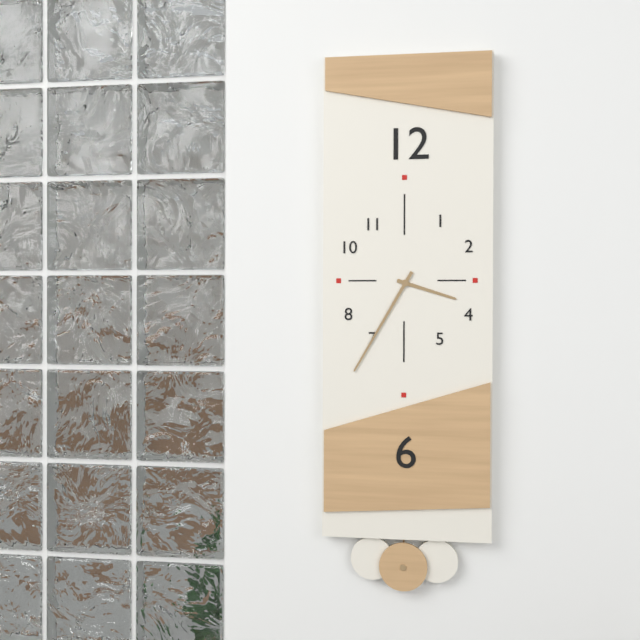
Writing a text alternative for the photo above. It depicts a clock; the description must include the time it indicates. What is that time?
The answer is 3:35
